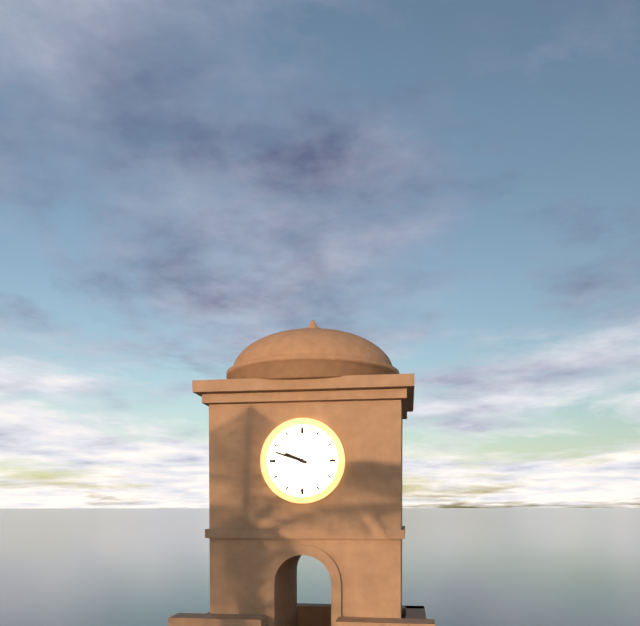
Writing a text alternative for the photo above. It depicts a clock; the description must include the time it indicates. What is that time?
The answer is 9:48
